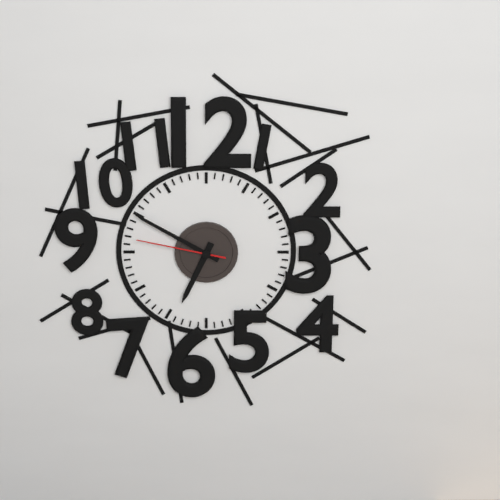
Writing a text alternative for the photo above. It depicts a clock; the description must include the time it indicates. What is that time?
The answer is 6:50:47
